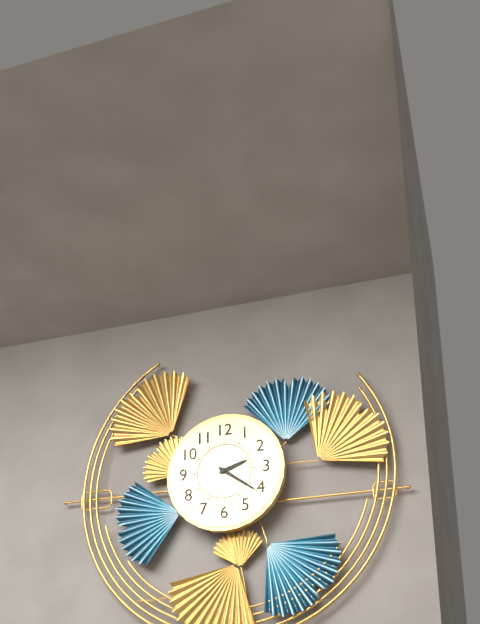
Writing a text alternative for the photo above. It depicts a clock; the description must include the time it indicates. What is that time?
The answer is 2:21
